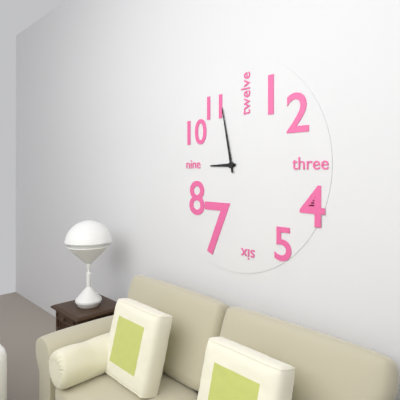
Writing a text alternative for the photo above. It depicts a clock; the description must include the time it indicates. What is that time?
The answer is 8:58
